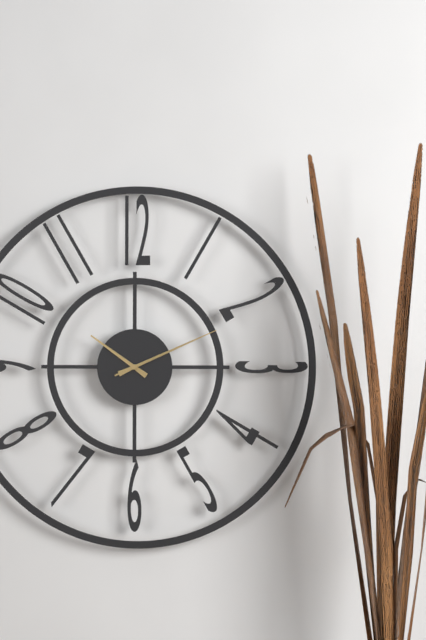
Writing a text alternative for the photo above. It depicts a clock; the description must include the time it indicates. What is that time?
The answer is 10:11:11
